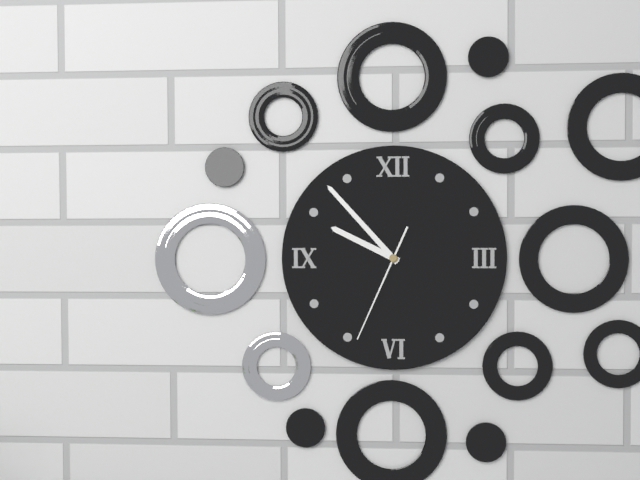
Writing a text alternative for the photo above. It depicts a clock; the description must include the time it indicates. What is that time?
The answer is 9:53:34
